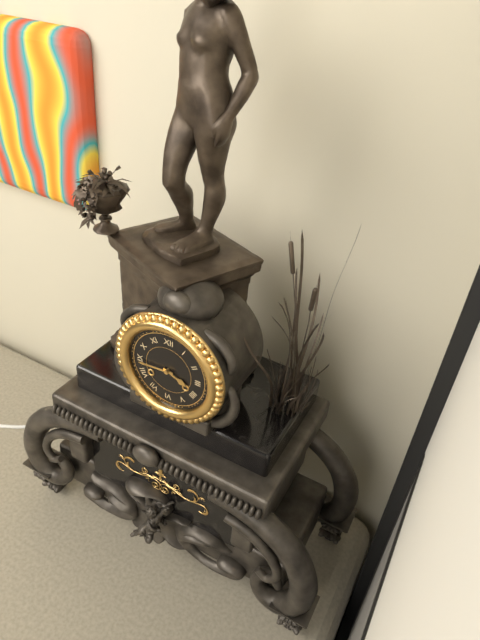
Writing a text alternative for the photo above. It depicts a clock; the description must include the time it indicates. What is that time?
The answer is 3:44
